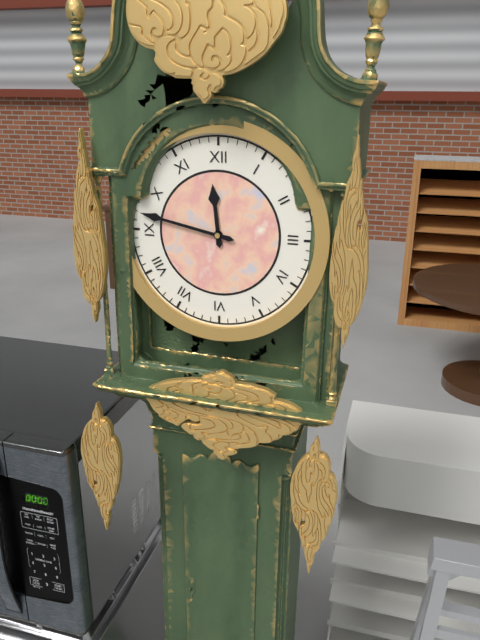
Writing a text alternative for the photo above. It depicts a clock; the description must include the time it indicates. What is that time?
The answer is 11:47
